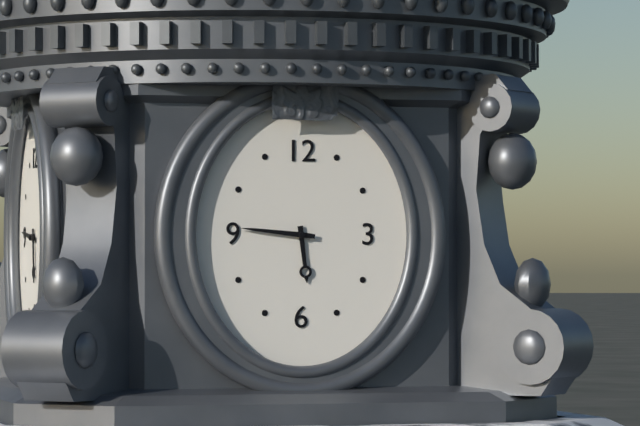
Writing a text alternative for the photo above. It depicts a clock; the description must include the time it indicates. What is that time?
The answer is 5:46
